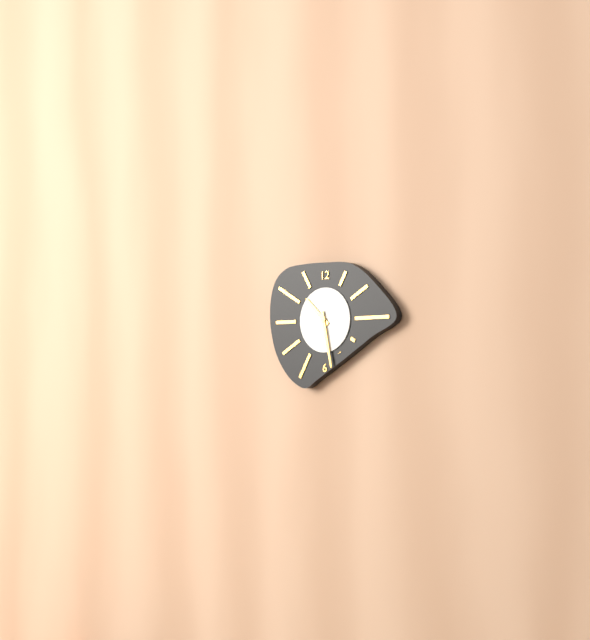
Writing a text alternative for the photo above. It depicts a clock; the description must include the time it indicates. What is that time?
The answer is 10:28
